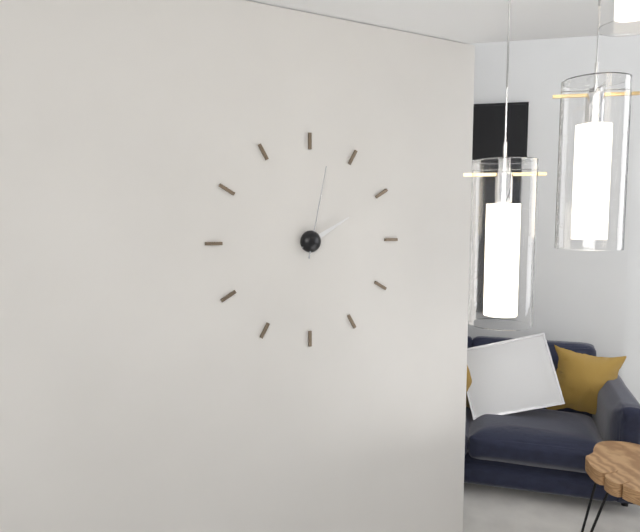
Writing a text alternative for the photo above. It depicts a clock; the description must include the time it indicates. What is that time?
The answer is 2:02
